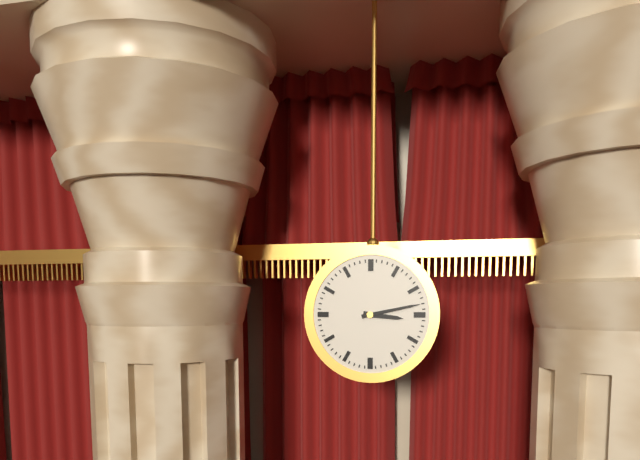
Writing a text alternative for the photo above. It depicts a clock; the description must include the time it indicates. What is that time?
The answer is 3:13
